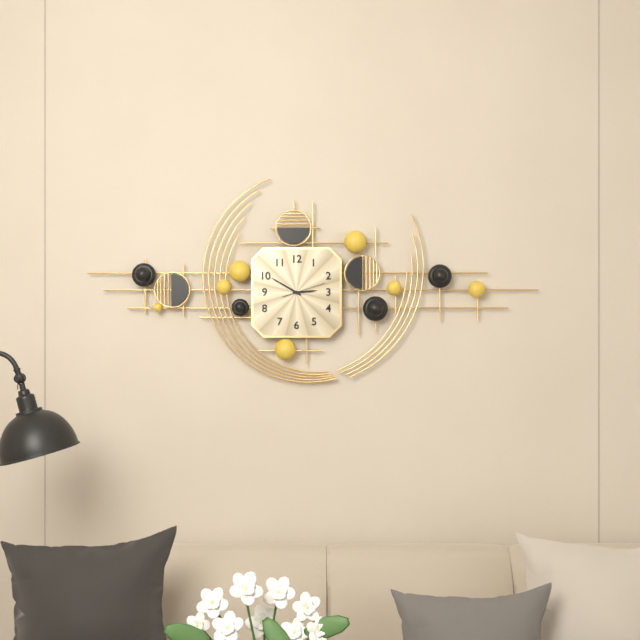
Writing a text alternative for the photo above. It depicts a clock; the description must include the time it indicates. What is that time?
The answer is 2:50
